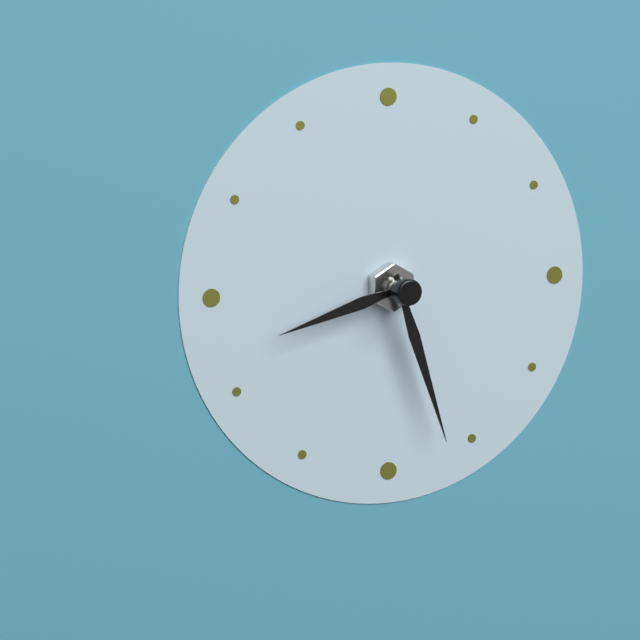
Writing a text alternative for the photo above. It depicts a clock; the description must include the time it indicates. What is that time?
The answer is 8:27
